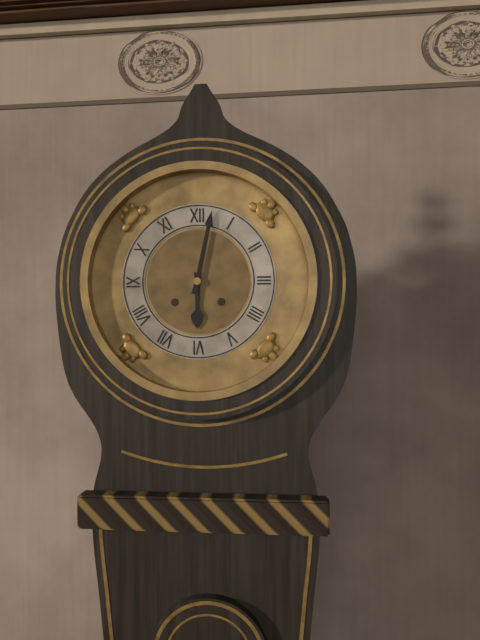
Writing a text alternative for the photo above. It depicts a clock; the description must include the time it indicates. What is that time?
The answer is 6:02
